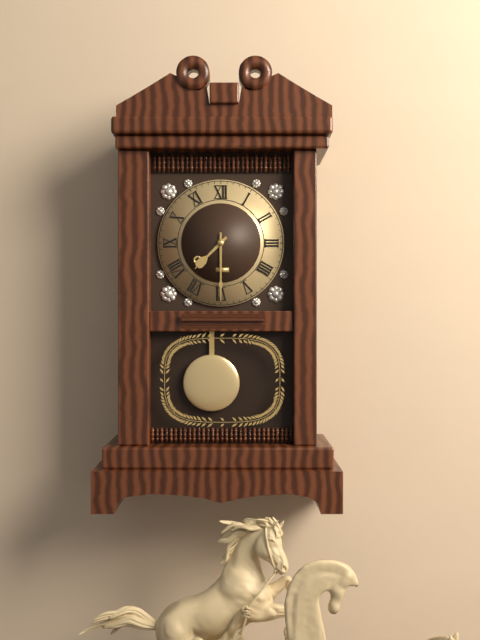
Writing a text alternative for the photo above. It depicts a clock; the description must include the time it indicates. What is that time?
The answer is 7:30
